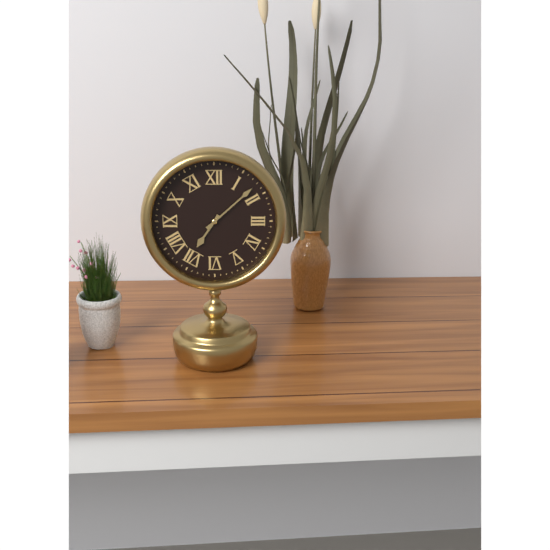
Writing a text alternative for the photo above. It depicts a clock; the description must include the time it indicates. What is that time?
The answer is 7:08
